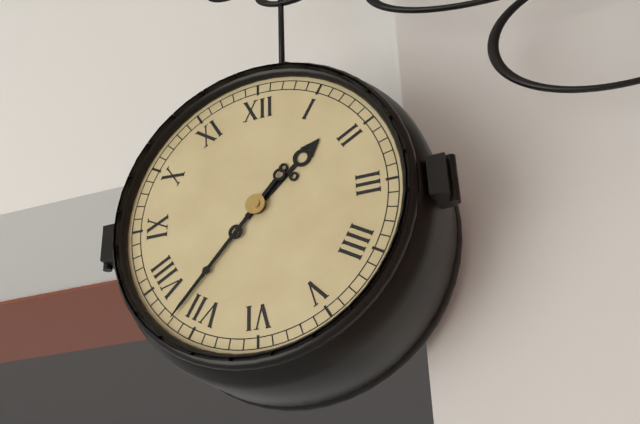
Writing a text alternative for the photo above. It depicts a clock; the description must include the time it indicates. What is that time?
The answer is 1:37
